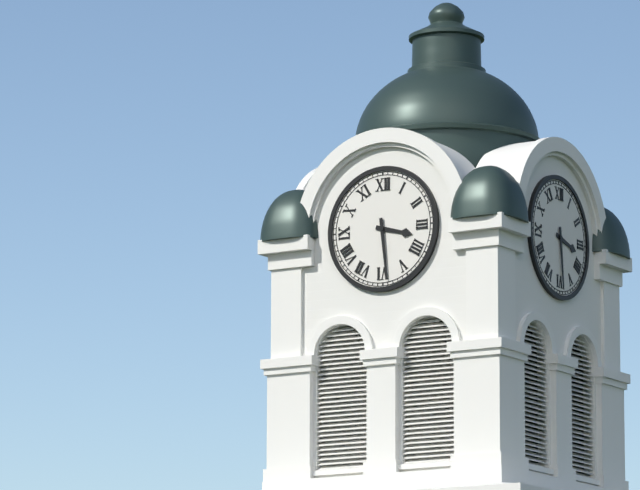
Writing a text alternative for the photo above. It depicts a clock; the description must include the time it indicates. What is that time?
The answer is 3:29
